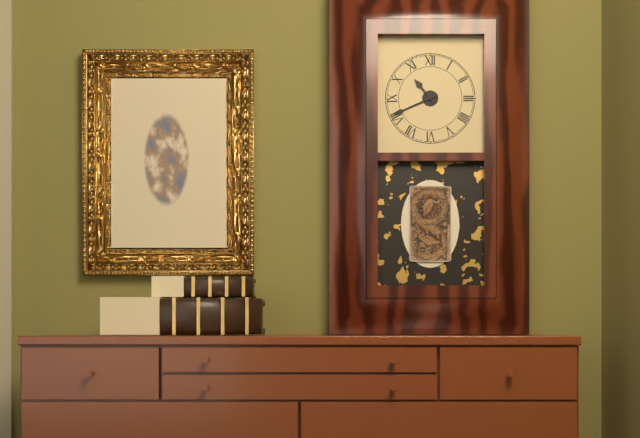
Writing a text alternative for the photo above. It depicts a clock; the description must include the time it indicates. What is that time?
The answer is 10:41
